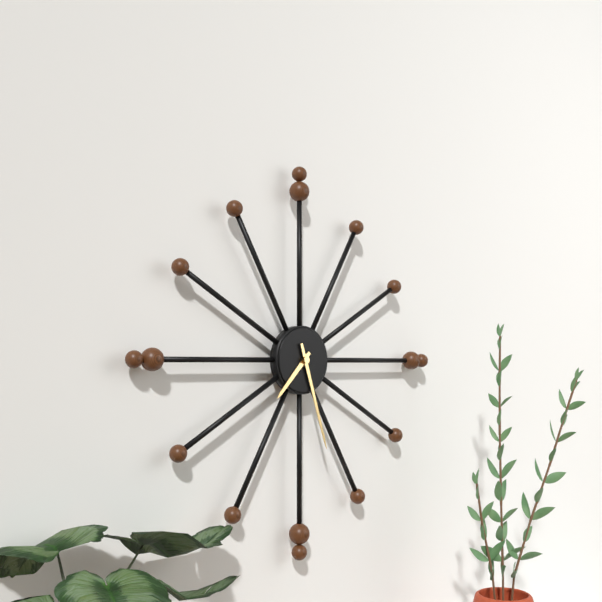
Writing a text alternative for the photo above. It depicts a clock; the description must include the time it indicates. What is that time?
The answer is 7:27
